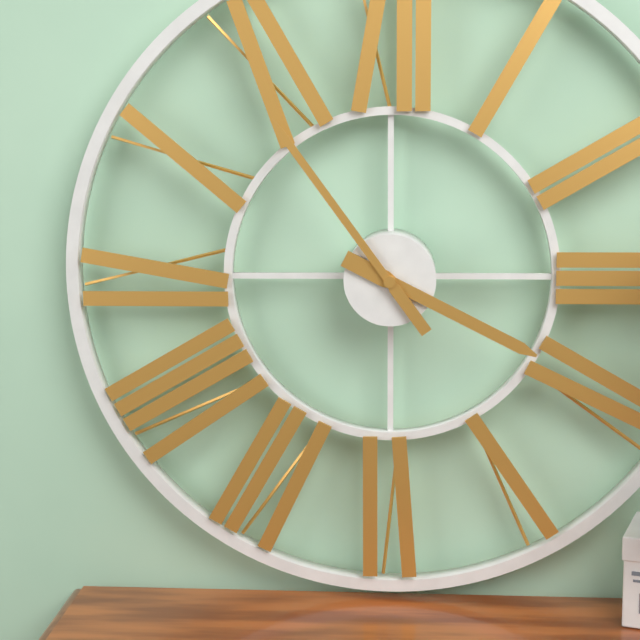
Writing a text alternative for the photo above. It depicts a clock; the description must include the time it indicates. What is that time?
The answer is 3:54
